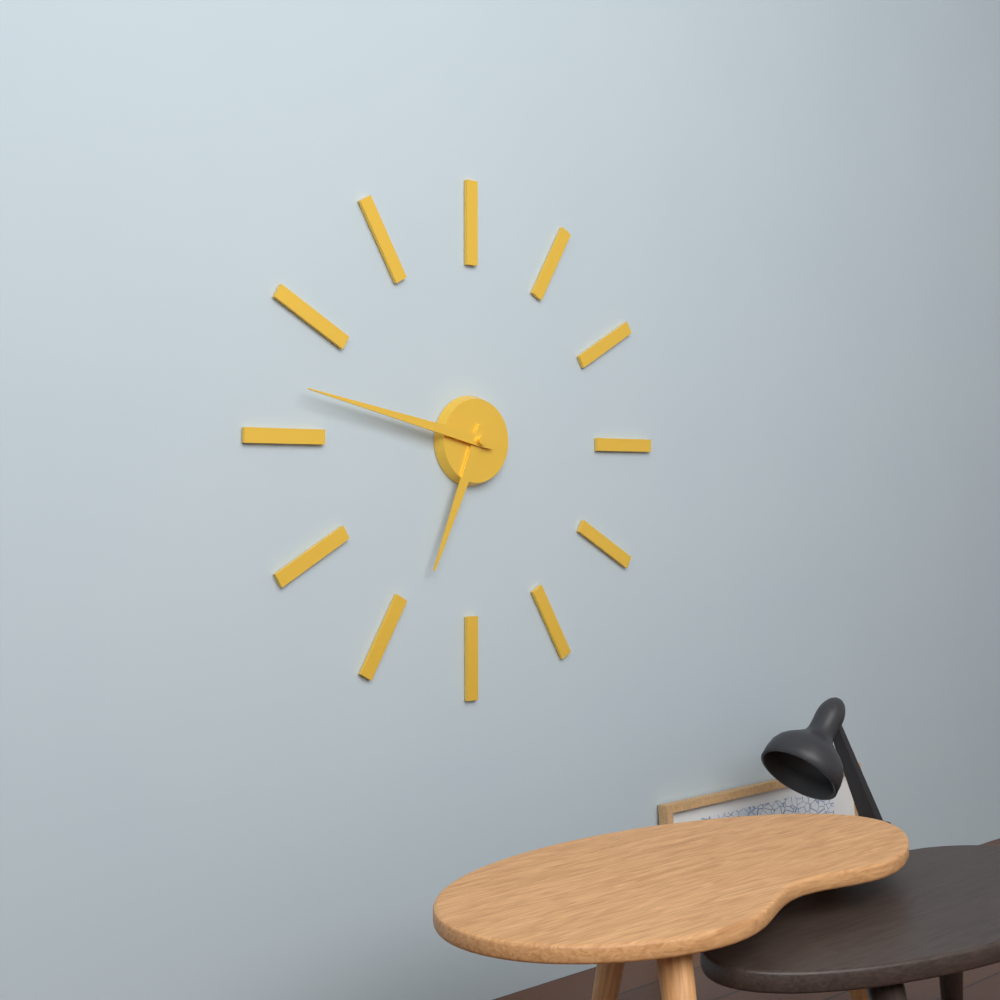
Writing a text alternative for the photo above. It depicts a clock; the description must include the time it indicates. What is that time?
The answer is 6:47
